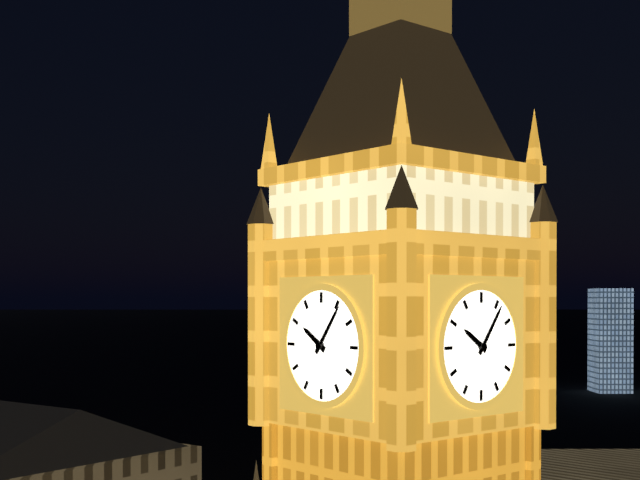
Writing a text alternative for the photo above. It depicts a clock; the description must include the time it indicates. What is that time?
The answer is 10:06
